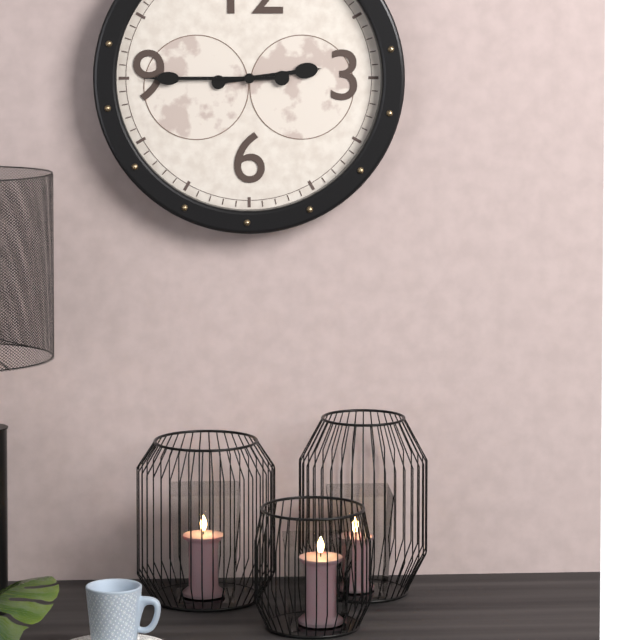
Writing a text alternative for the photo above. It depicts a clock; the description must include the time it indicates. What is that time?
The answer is 2:45
